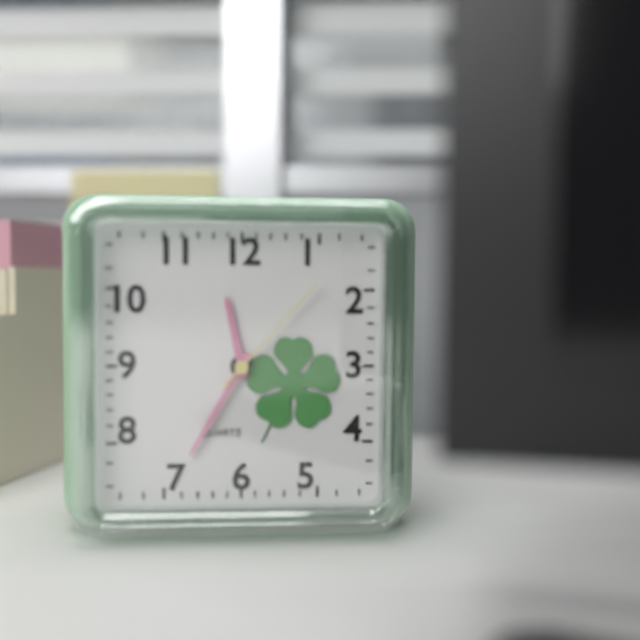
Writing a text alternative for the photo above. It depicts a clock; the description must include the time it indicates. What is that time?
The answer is 11:35:07
